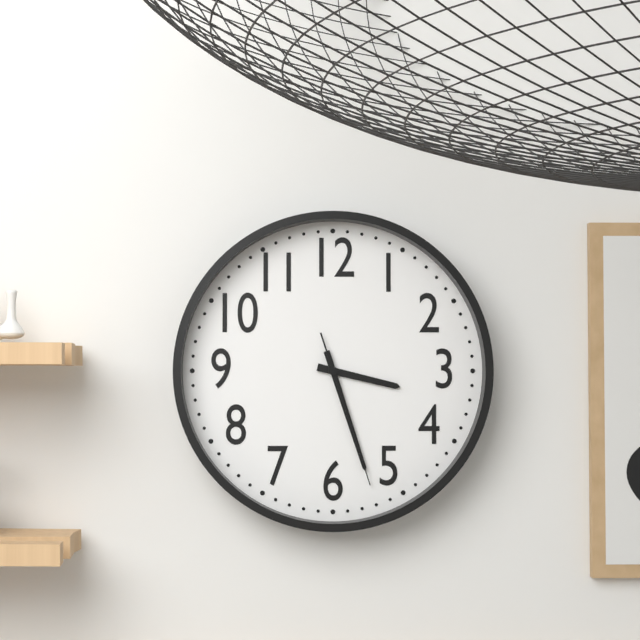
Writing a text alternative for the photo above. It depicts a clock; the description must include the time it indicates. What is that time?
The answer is 3:27:27
